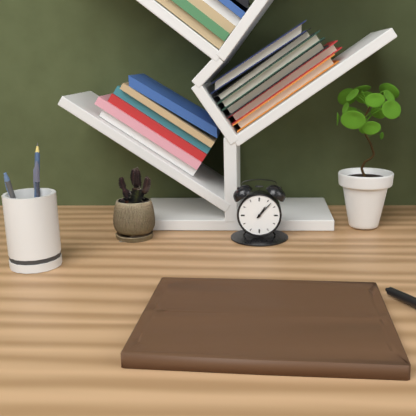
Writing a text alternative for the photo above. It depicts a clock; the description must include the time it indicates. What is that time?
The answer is 1:07
